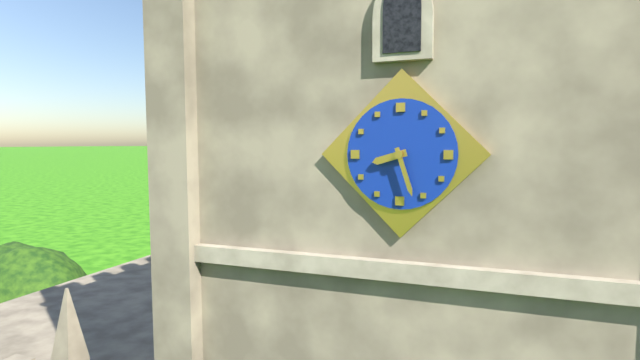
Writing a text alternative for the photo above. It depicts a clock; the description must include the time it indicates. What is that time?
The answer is 8:27
